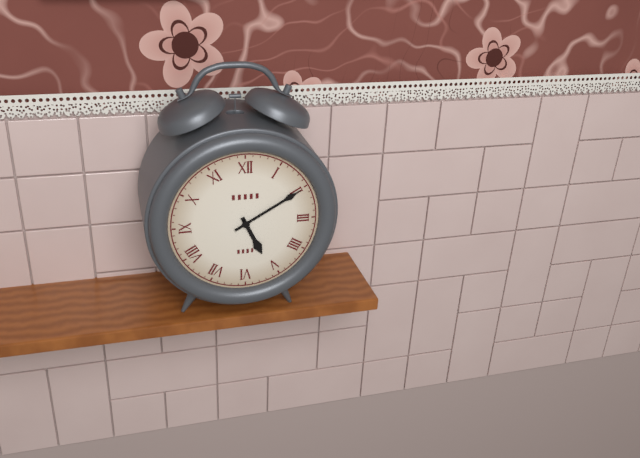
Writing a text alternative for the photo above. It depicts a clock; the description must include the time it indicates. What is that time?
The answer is 5:10
